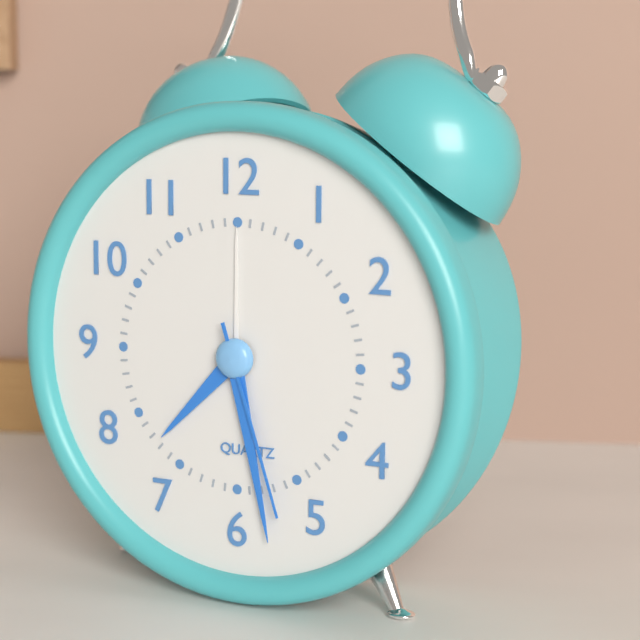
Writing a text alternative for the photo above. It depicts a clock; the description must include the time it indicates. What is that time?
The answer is 7:28:27
